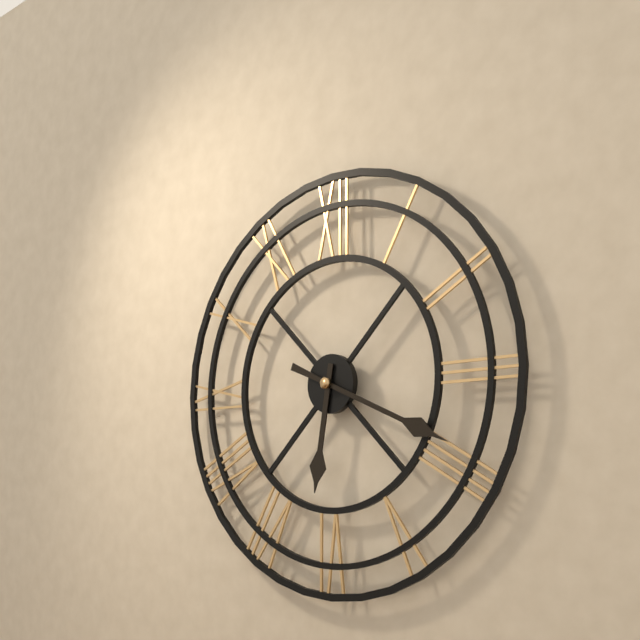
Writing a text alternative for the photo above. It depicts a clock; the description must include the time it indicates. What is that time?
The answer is 6:19
